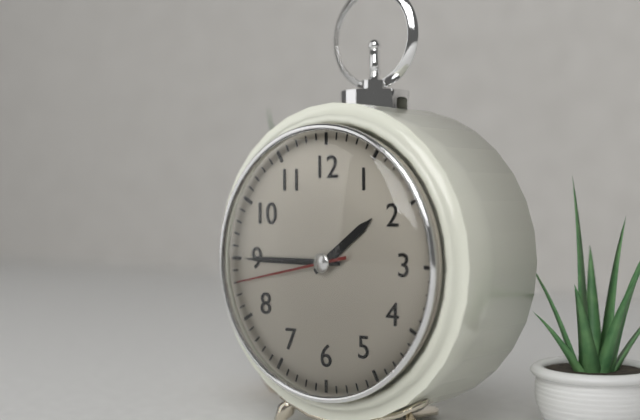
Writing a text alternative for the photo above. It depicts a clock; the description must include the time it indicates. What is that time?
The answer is 1:45:43
